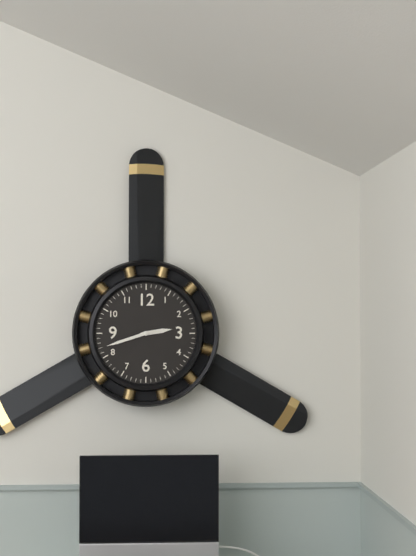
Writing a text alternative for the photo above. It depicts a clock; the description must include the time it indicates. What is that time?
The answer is 2:42
